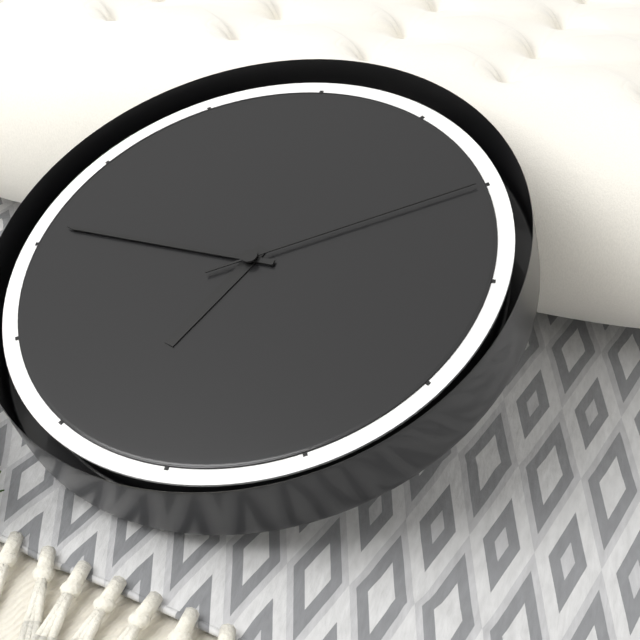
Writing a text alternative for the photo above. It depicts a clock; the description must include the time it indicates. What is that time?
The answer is 6:46:10
